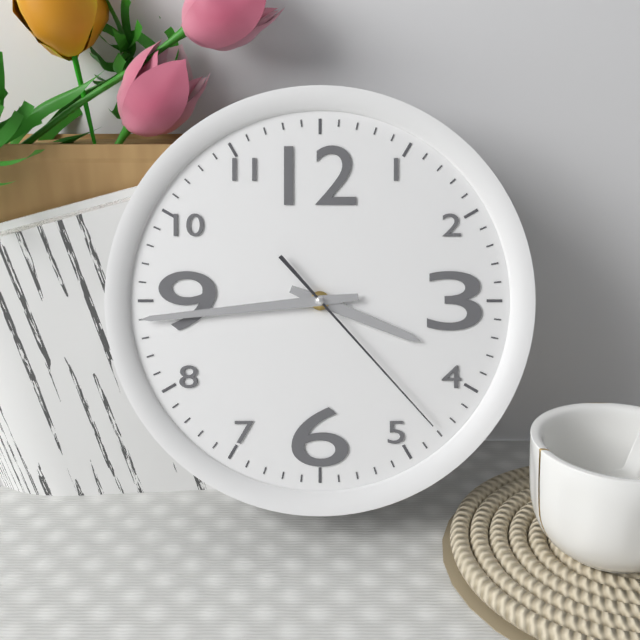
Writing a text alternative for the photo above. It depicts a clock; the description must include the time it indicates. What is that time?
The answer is 3:44:23
